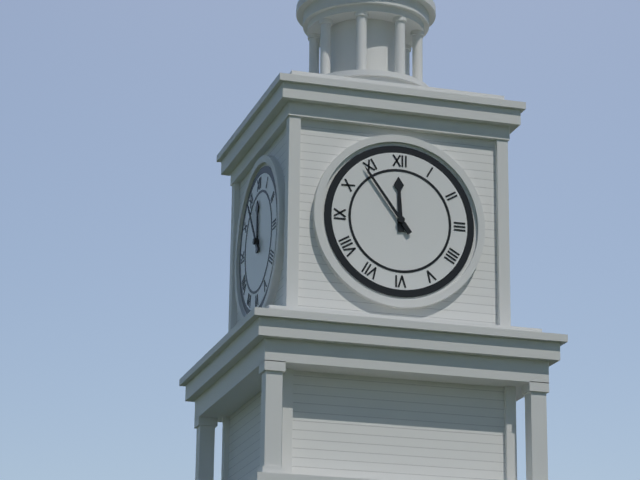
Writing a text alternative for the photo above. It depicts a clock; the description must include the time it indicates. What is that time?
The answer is 11:54
